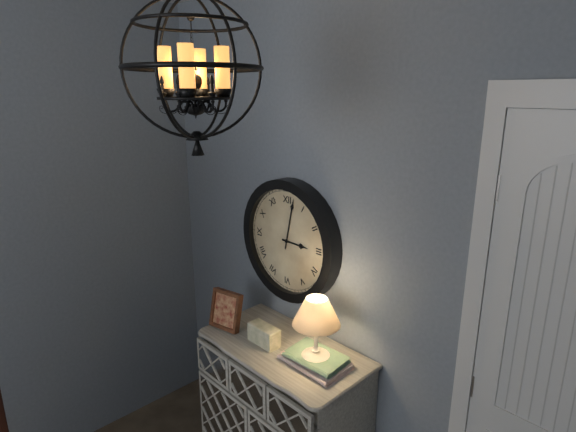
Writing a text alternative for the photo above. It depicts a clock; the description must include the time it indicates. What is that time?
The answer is 3:02
